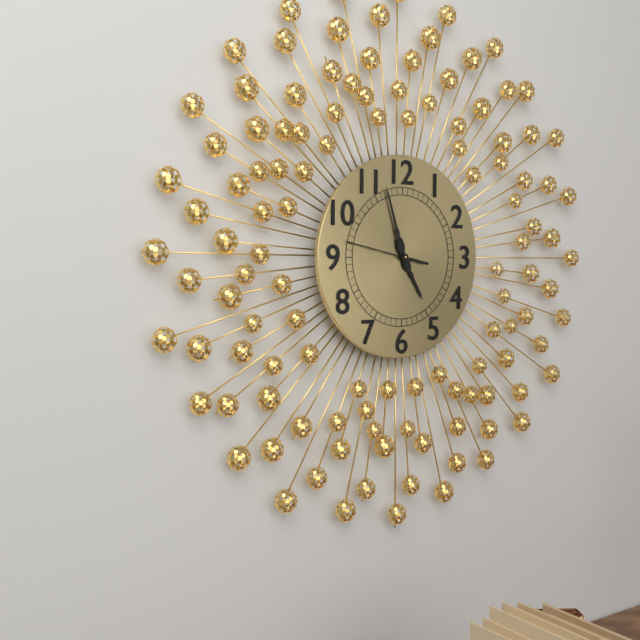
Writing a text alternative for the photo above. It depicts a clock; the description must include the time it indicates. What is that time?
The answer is 4:57:47
